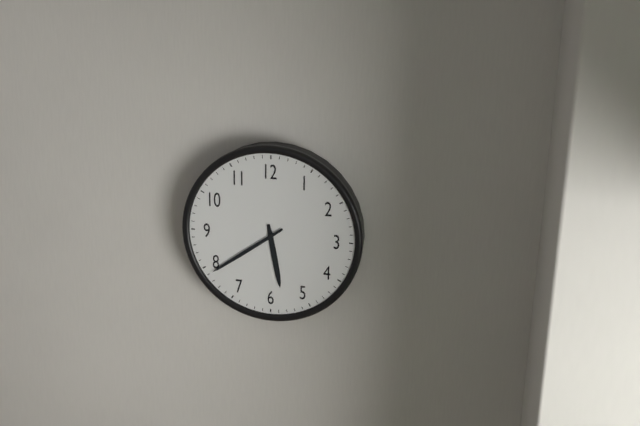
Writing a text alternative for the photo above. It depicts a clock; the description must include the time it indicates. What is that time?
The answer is 5:39
